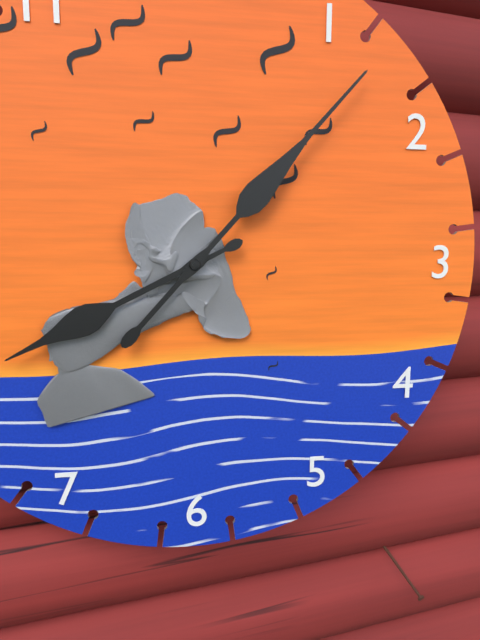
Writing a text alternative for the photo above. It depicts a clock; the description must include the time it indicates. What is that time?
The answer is 8:07
